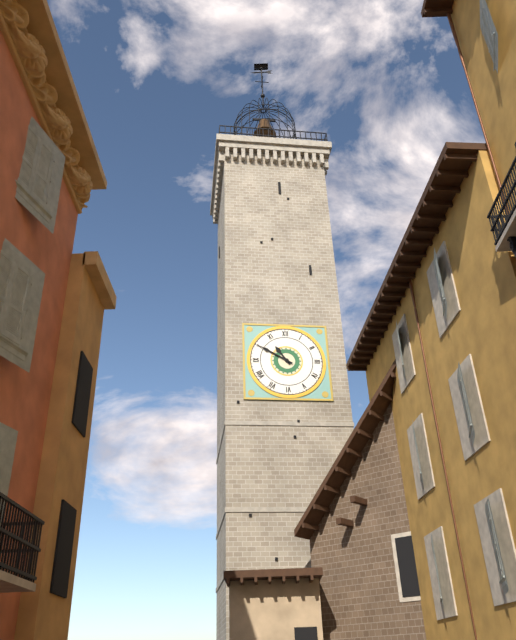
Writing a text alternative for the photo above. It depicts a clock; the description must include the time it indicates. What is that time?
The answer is 10:50
